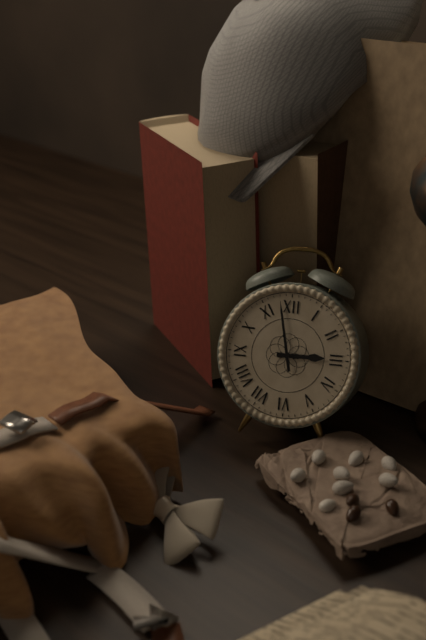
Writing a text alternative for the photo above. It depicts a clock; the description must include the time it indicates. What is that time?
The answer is 2:58
